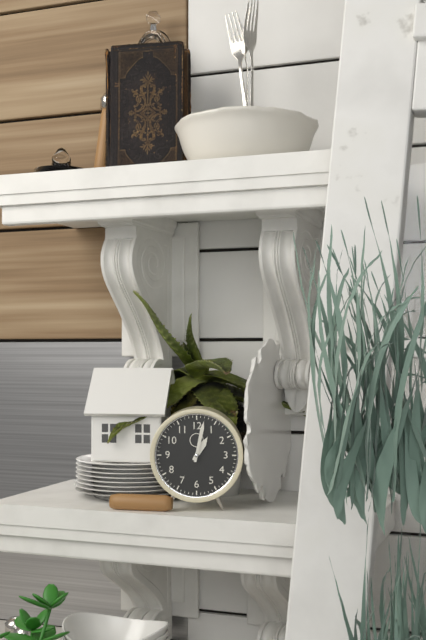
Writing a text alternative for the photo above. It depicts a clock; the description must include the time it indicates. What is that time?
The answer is 1:02
